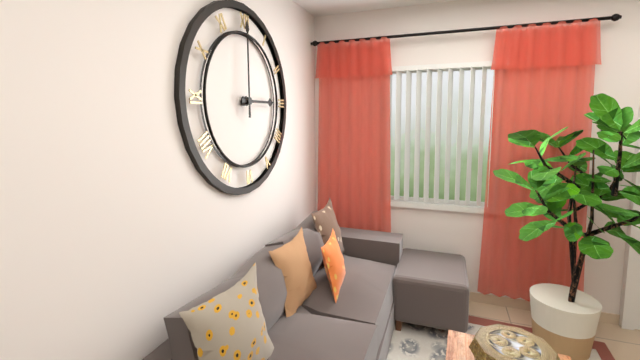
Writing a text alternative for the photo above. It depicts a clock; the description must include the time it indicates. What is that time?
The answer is 3:00
